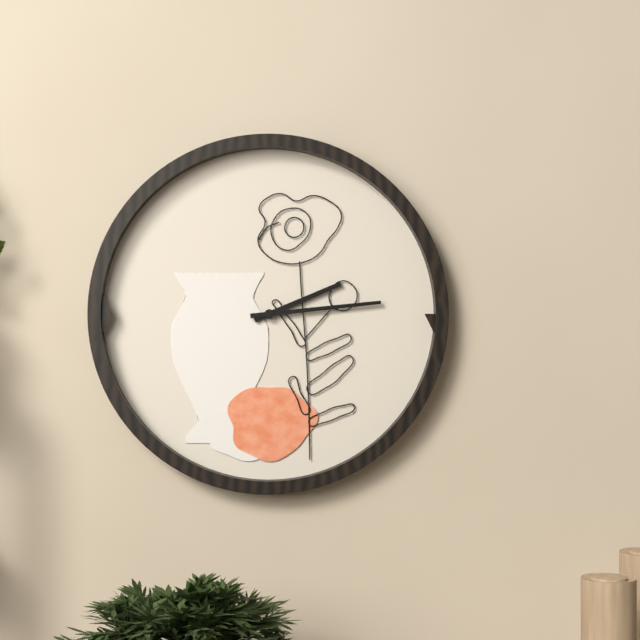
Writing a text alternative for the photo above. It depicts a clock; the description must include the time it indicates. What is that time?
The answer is 2:14
